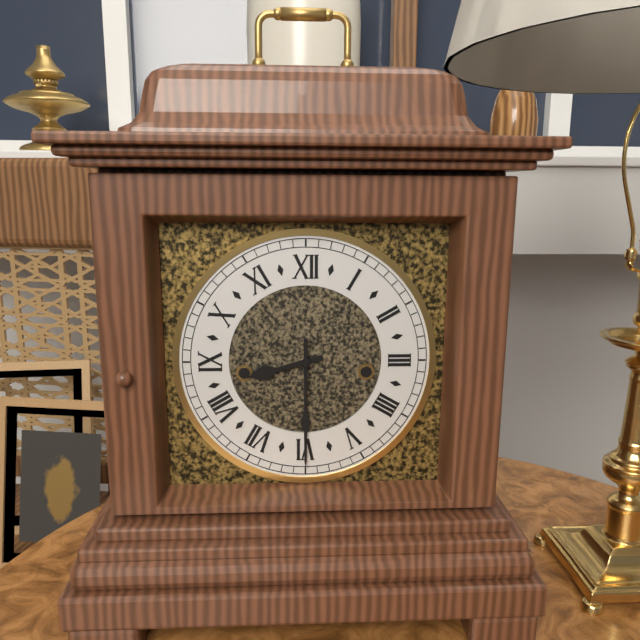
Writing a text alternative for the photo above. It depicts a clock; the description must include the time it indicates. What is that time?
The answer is 8:30
